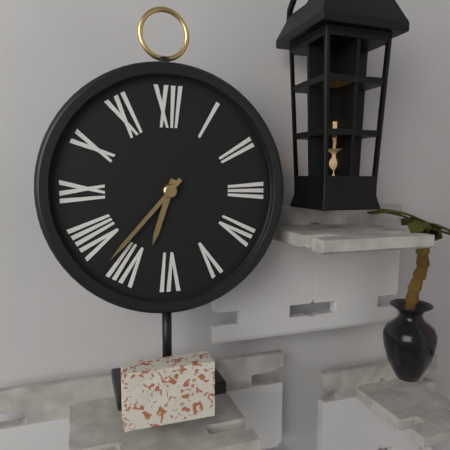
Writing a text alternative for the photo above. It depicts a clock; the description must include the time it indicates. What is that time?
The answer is 6:37
